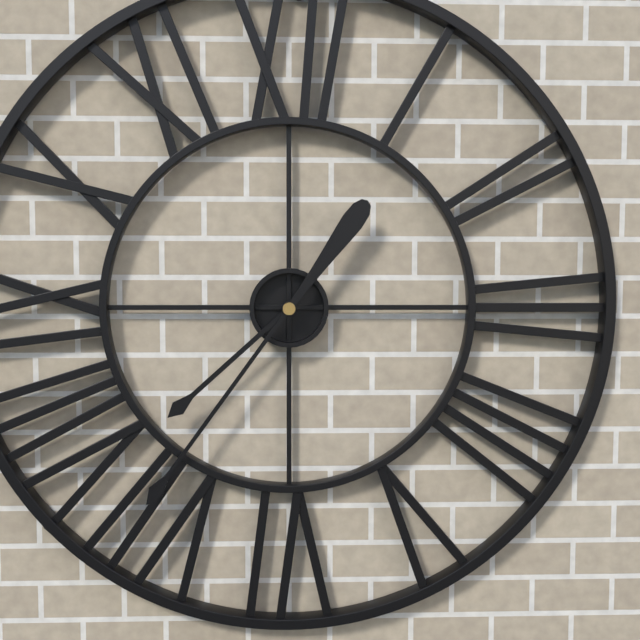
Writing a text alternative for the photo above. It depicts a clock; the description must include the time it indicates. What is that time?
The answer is 7:36
